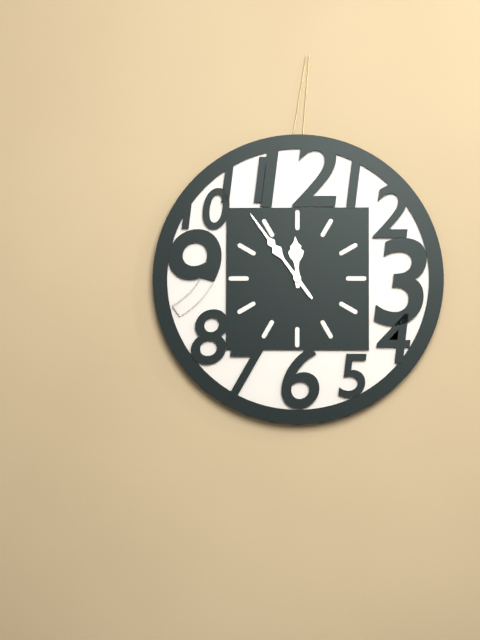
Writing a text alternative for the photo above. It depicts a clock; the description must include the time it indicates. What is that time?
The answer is 11:54
